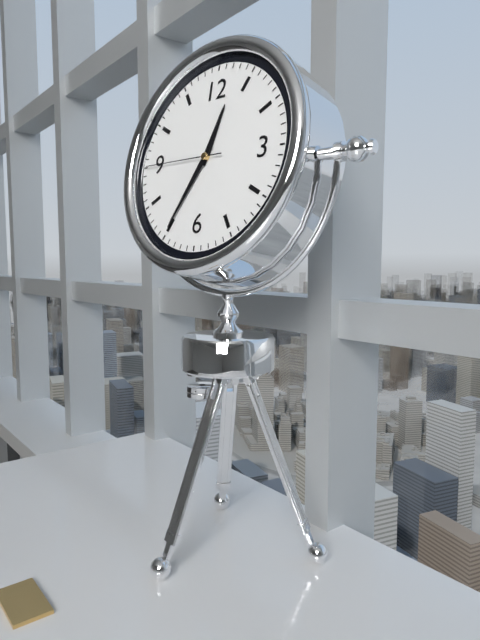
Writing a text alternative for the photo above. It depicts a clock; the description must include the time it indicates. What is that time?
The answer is 12:35:45
